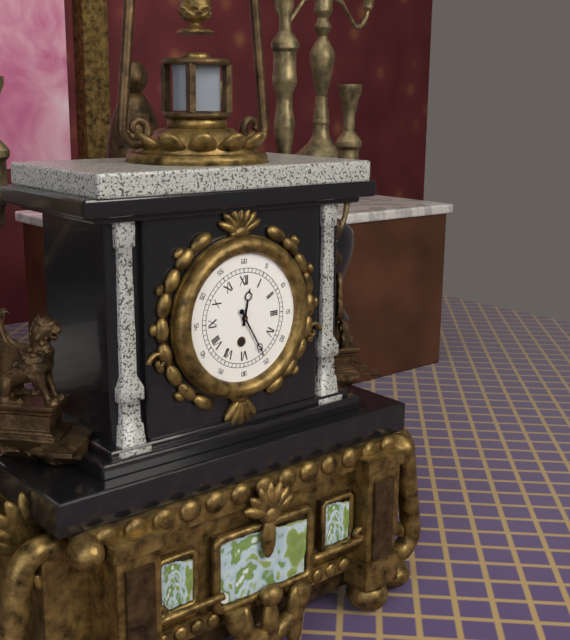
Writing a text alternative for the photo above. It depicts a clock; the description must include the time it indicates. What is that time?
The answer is 12:25
